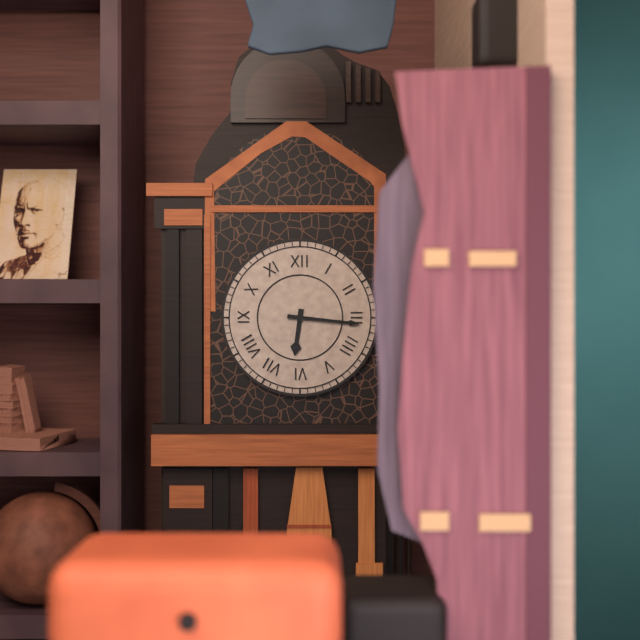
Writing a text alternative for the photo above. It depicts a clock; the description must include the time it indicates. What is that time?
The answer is 6:16
